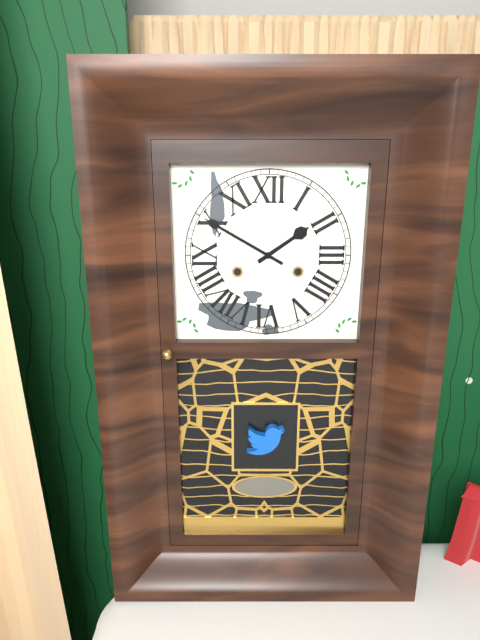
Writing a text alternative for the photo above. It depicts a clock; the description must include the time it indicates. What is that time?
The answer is 1:50
